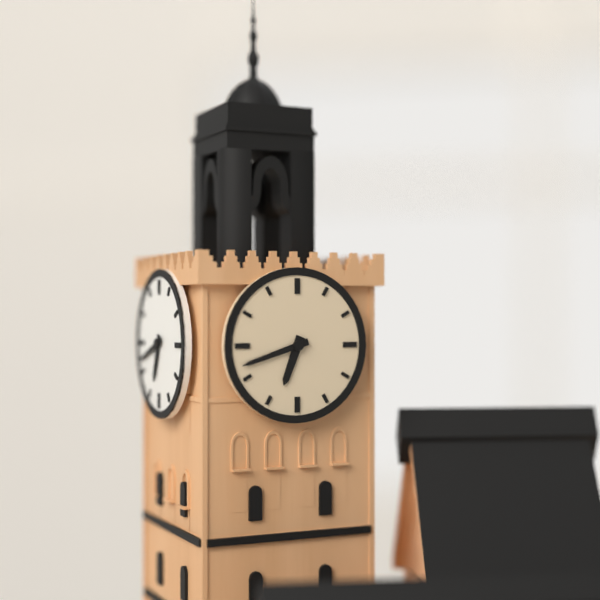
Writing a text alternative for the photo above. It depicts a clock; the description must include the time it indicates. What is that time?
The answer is 6:42
